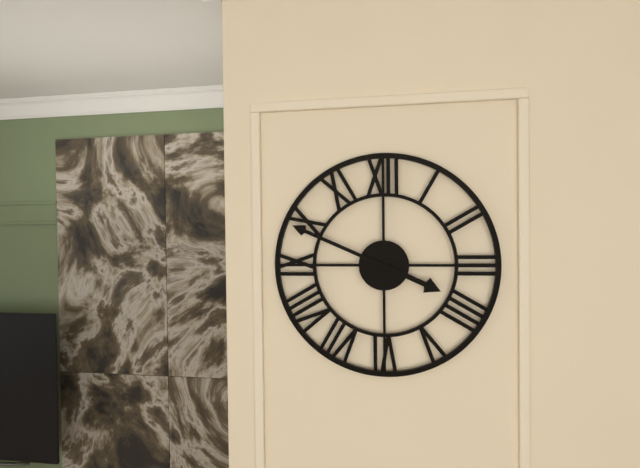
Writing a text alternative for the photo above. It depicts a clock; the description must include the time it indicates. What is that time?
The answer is 3:49
